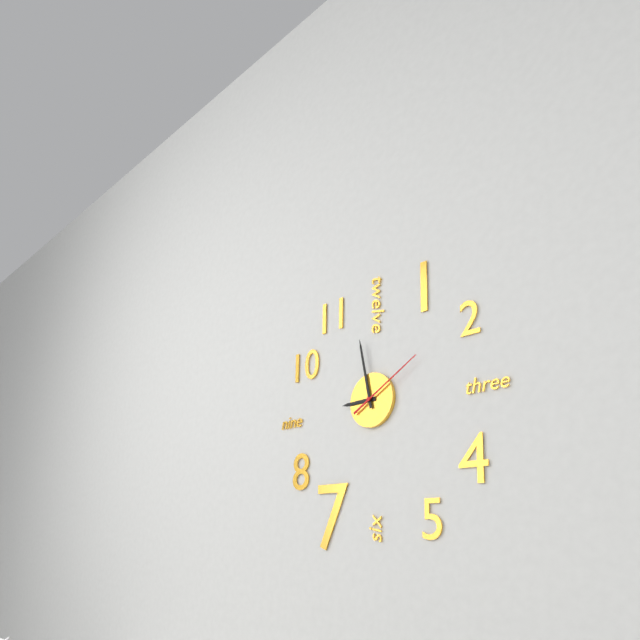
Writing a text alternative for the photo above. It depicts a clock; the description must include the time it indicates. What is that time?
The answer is 8:58:10
